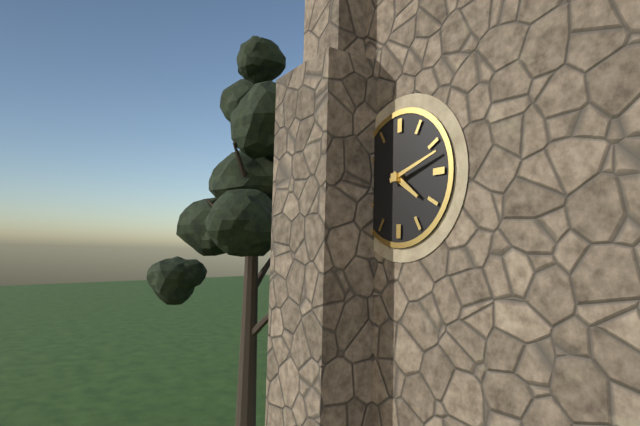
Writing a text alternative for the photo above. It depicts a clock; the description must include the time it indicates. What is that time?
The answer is 4:12
